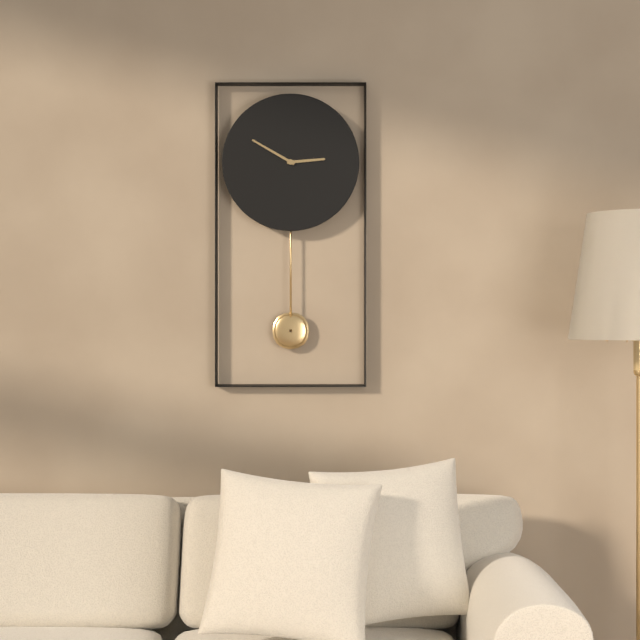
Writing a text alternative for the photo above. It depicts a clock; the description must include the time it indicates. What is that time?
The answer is 2:50
